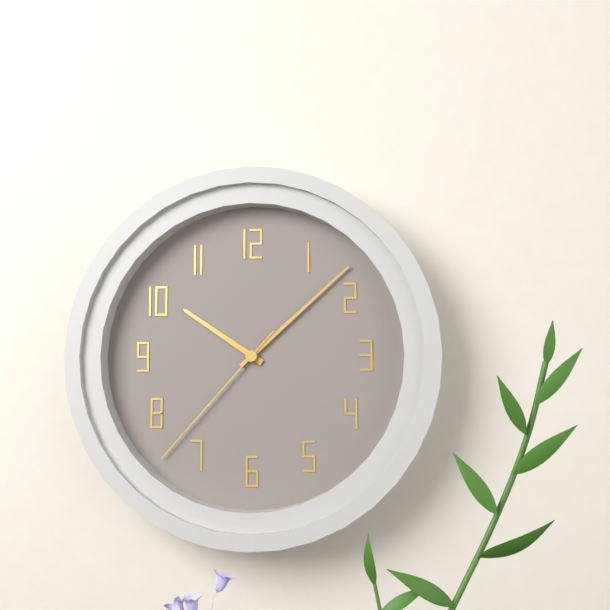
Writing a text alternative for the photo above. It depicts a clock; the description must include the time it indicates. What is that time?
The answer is 10:08:37
